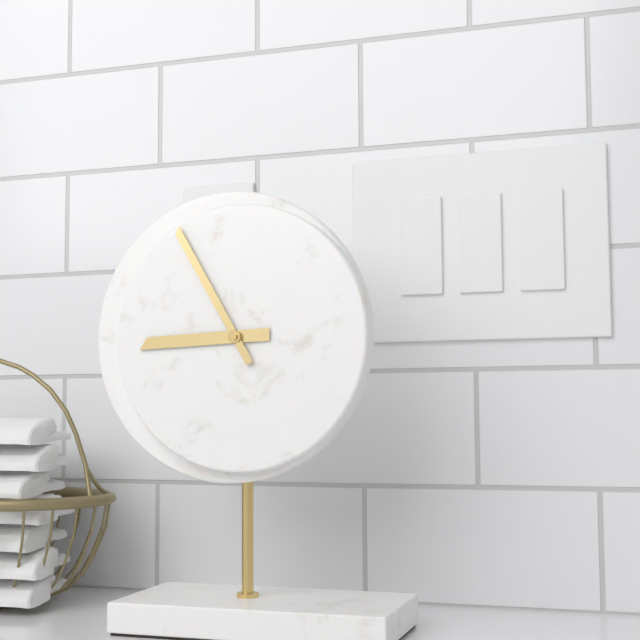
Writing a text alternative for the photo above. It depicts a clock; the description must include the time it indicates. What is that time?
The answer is 8:55
